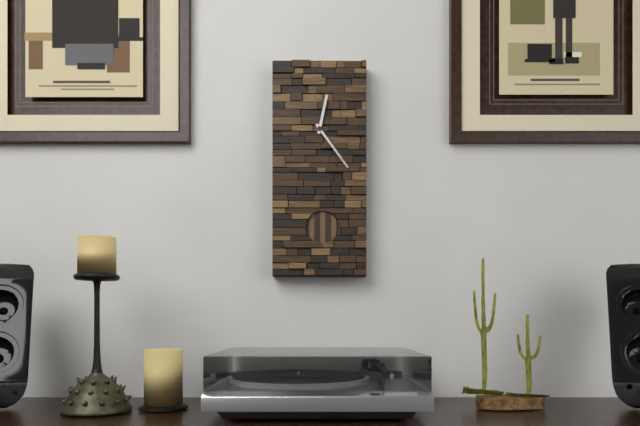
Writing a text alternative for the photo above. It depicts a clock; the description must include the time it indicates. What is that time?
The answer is 12:24
